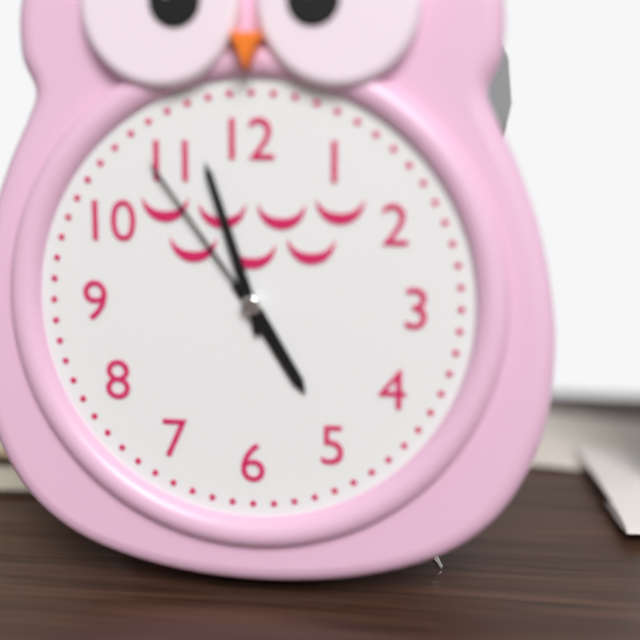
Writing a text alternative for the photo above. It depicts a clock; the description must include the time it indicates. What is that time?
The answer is 4:57:54
